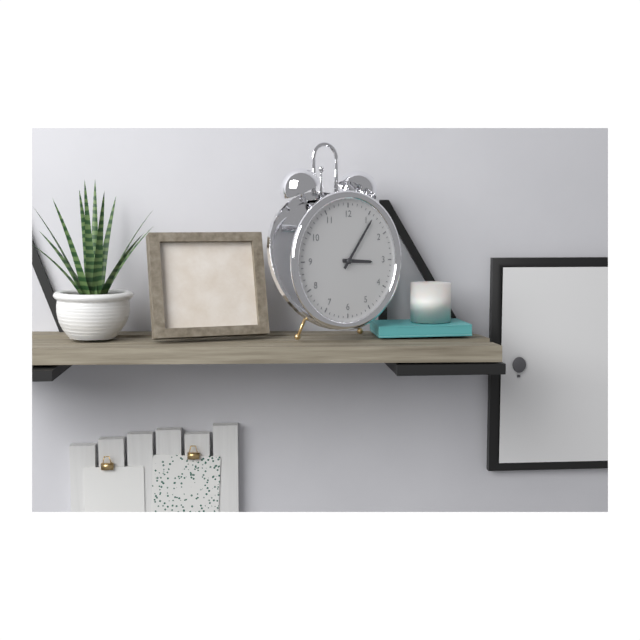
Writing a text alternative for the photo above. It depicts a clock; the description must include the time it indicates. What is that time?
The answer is 3:06
